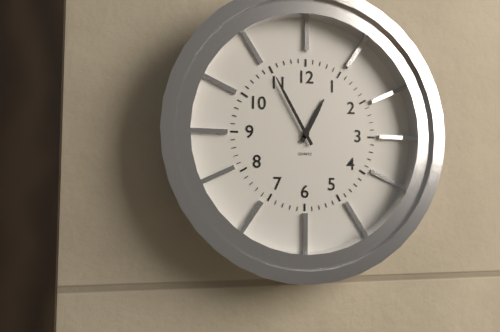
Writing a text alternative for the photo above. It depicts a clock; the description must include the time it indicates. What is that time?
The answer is 12:55
